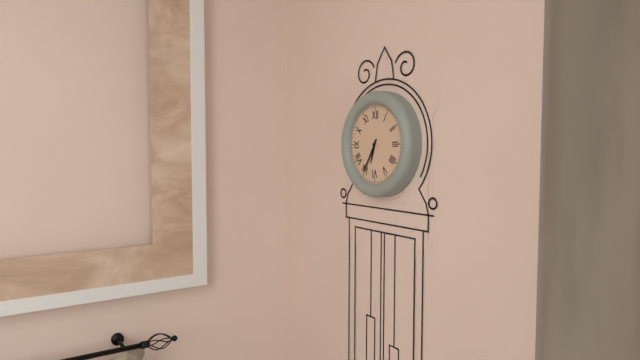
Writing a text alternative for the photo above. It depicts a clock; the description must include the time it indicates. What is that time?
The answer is 6:35
